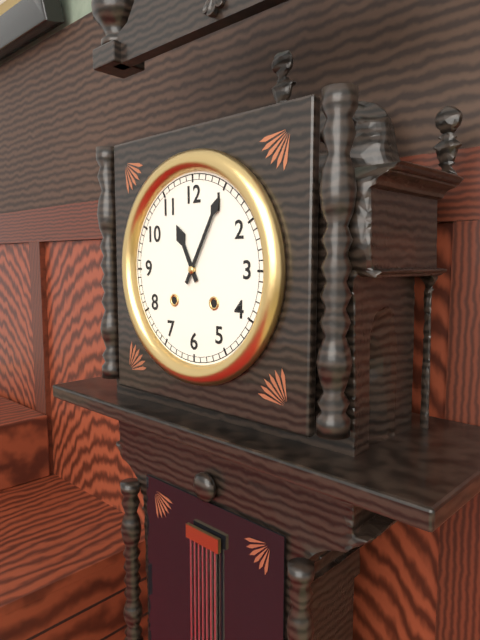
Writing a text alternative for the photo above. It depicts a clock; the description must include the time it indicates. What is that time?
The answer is 11:05
